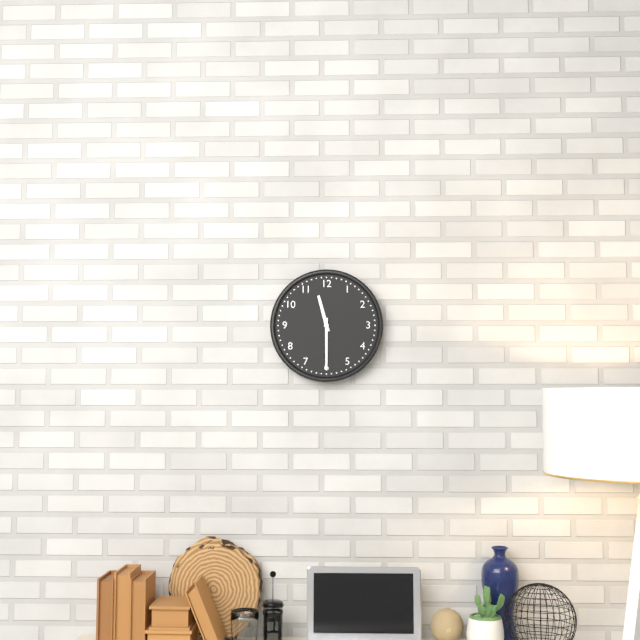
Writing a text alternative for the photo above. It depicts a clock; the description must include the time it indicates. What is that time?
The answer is 11:30
